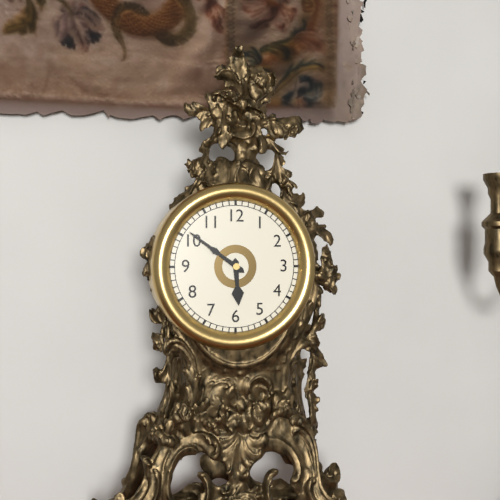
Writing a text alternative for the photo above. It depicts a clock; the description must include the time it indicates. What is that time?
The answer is 5:51
